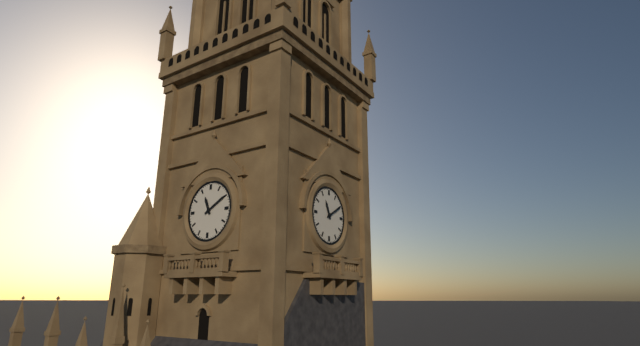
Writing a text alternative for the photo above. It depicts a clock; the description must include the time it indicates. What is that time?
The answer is 11:10
